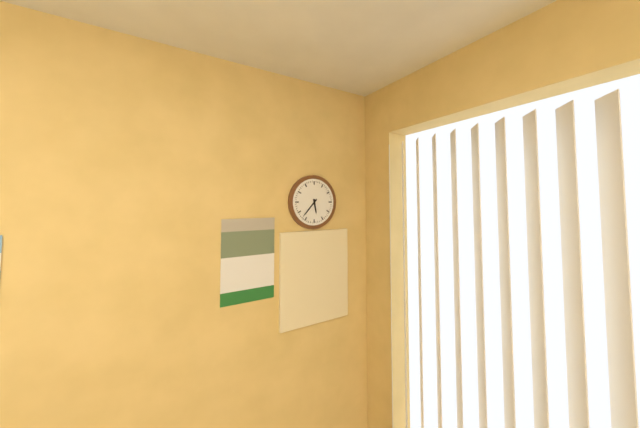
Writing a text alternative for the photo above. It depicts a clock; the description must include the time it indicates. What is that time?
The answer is 5:37
